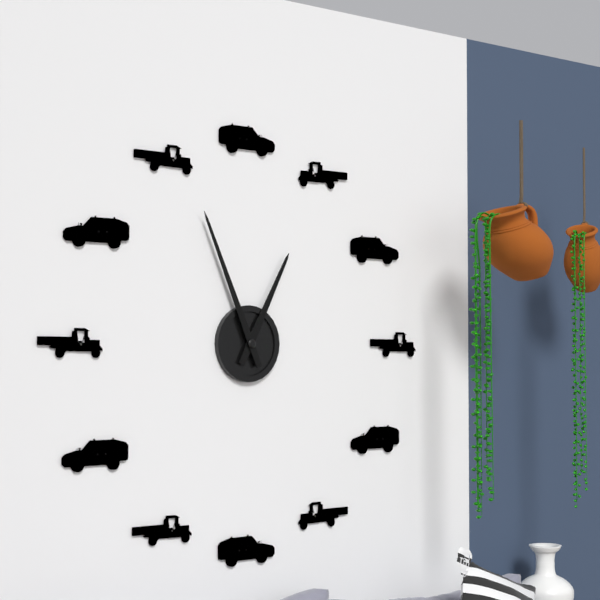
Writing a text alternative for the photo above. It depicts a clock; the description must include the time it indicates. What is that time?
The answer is 12:56
